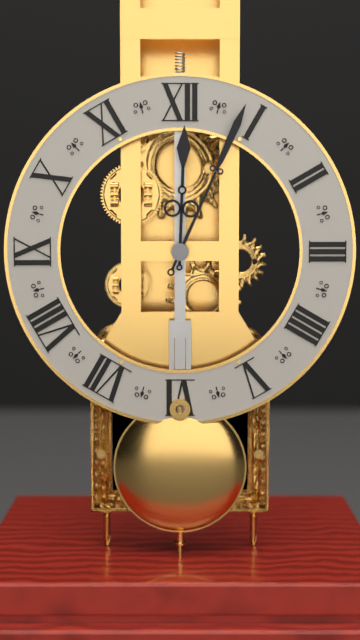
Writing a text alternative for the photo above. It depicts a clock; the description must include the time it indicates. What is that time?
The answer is 12:04
